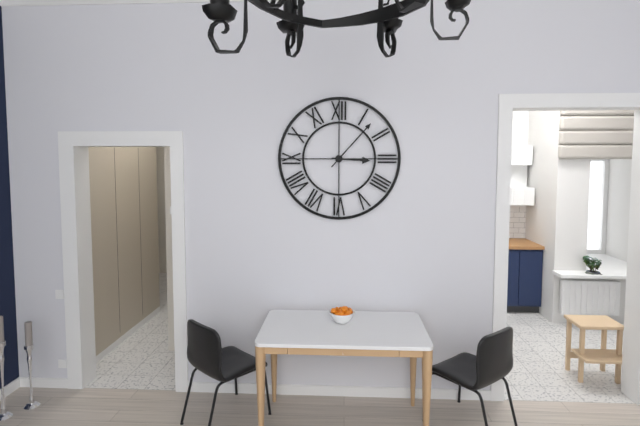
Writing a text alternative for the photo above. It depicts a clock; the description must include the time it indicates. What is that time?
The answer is 3:07
